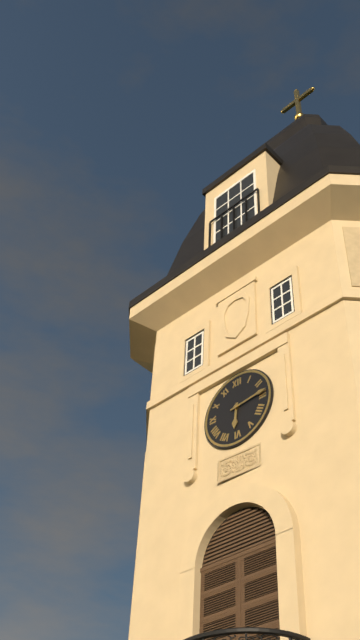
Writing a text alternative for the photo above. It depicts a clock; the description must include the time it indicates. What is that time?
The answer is 6:14
